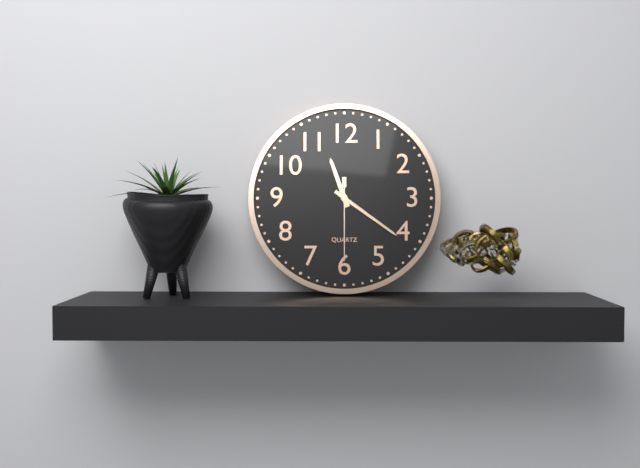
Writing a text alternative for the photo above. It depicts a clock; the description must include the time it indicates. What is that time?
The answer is 11:21:30
